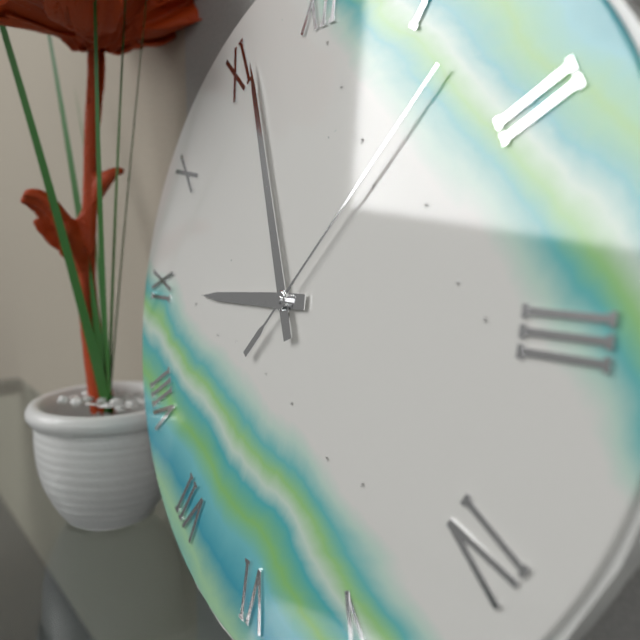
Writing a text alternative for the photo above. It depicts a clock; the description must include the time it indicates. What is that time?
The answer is 8:56:07
